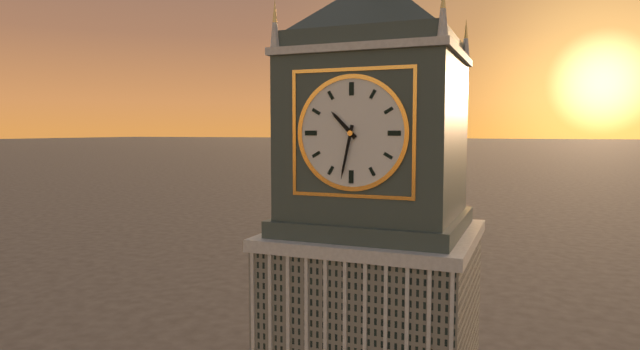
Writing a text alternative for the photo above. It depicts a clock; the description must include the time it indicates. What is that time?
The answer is 10:32
